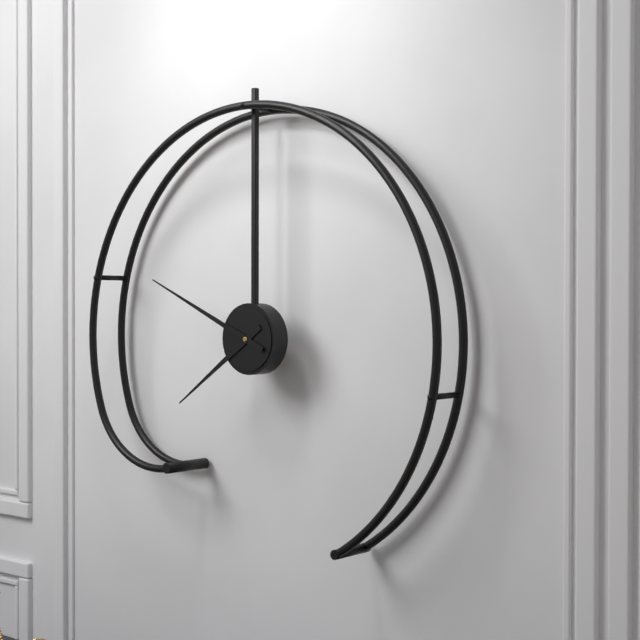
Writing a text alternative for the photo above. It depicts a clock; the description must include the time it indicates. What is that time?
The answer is 7:49
